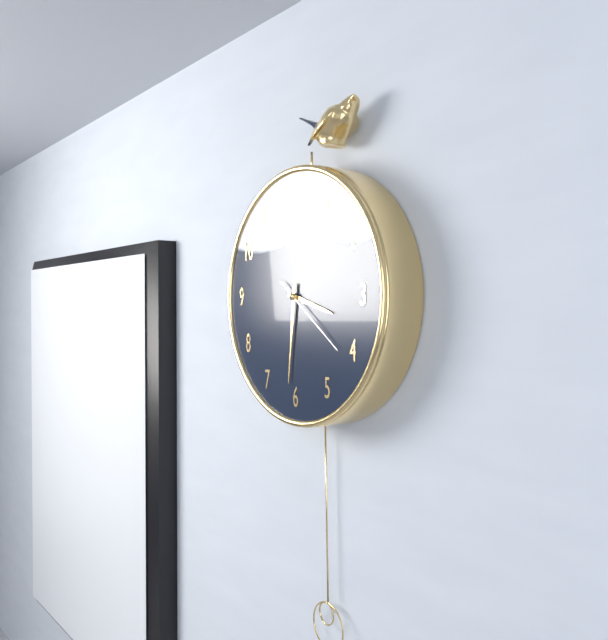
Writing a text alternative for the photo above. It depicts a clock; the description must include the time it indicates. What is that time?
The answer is 3:31:21
